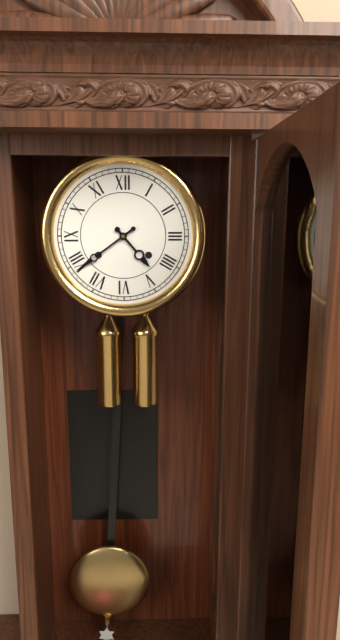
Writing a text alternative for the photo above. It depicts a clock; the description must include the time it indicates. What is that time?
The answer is 4:39
